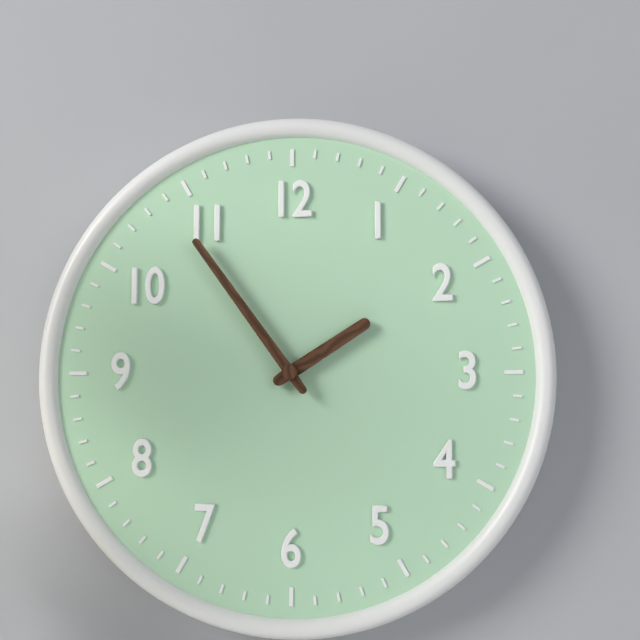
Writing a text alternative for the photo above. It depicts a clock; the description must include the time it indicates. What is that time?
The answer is 1:54
